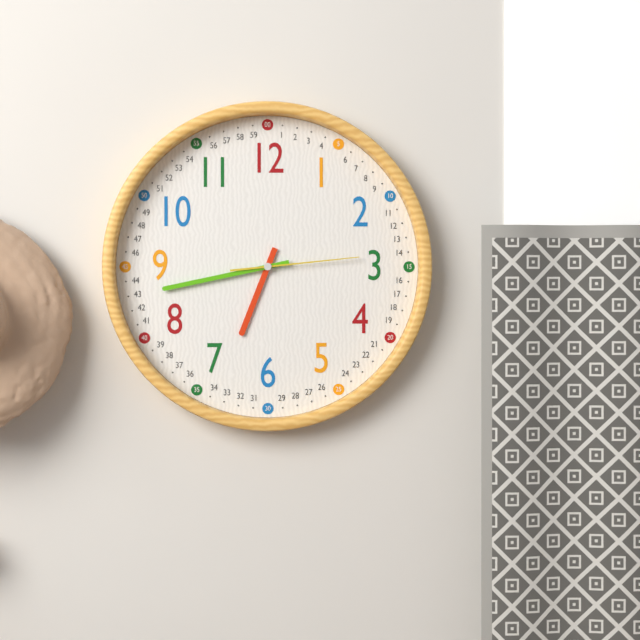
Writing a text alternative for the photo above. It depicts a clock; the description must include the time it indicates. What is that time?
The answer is 6:43:14
